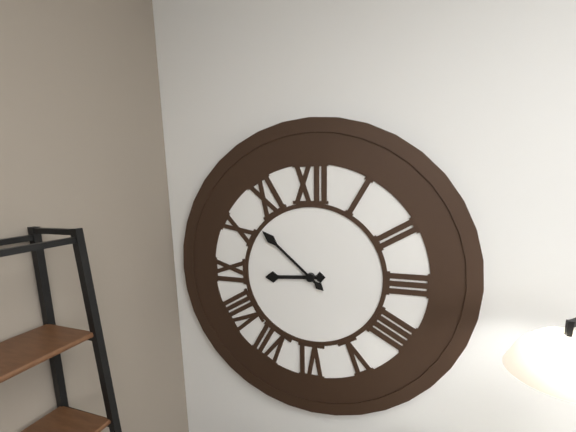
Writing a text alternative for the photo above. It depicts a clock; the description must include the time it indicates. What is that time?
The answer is 8:52
